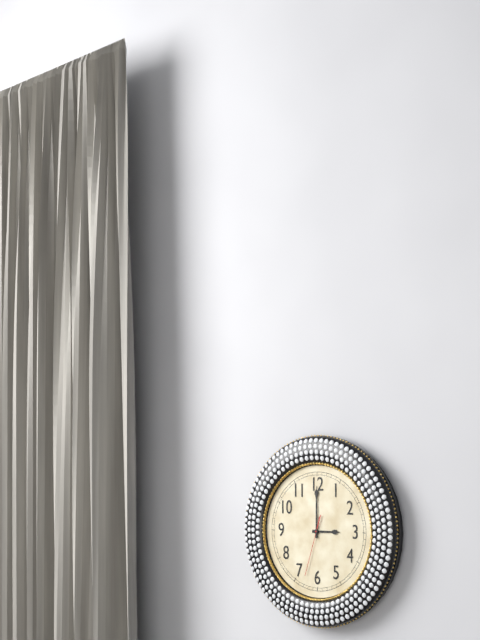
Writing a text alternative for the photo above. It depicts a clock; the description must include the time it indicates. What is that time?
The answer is 3:00:33
